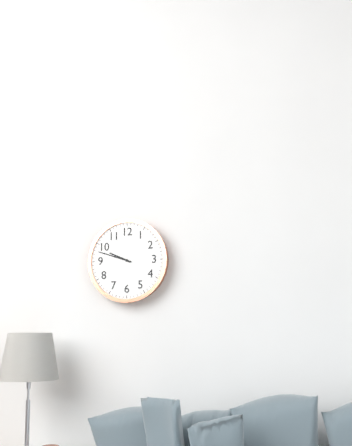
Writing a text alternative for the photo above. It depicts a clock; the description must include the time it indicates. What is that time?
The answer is 9:48
